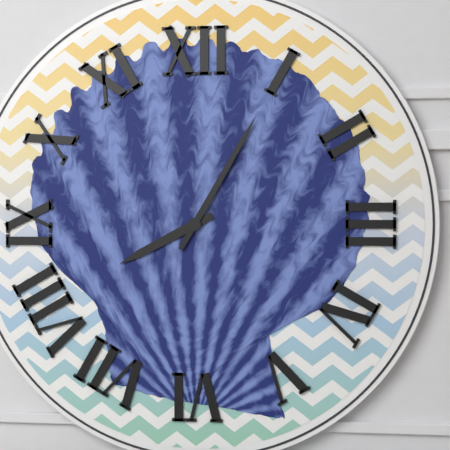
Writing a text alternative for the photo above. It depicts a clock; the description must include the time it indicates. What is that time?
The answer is 8:05
